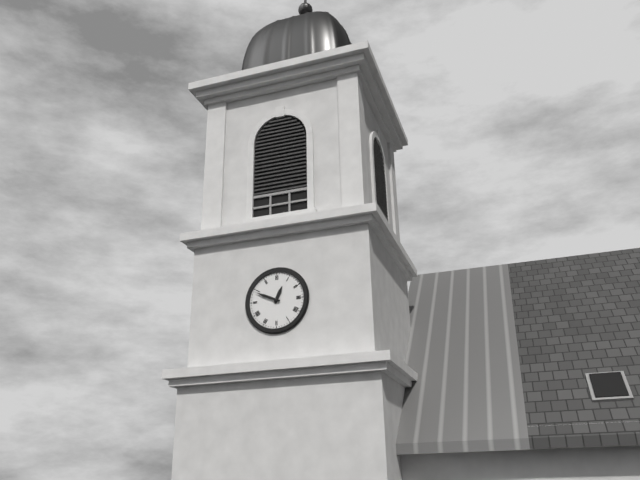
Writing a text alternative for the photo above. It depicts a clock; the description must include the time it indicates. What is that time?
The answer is 12:49
